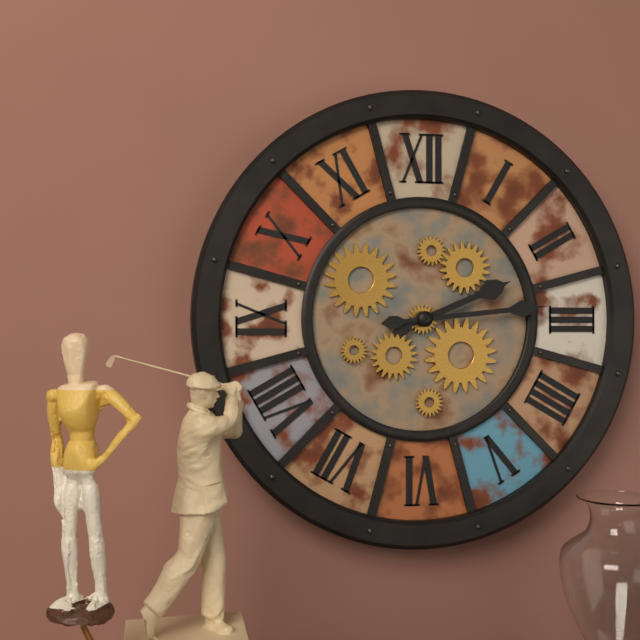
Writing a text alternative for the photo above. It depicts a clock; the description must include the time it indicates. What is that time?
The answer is 2:14
